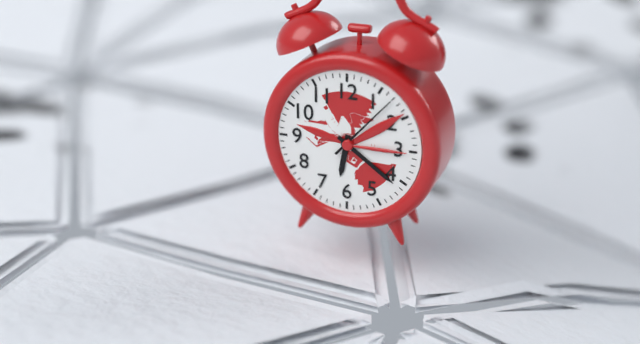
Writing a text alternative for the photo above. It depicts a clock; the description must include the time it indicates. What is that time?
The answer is 6:21:07
